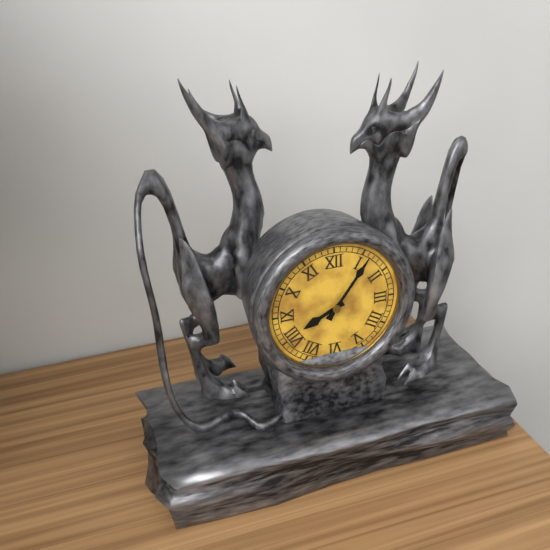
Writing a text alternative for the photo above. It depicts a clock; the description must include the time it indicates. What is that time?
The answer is 8:06
